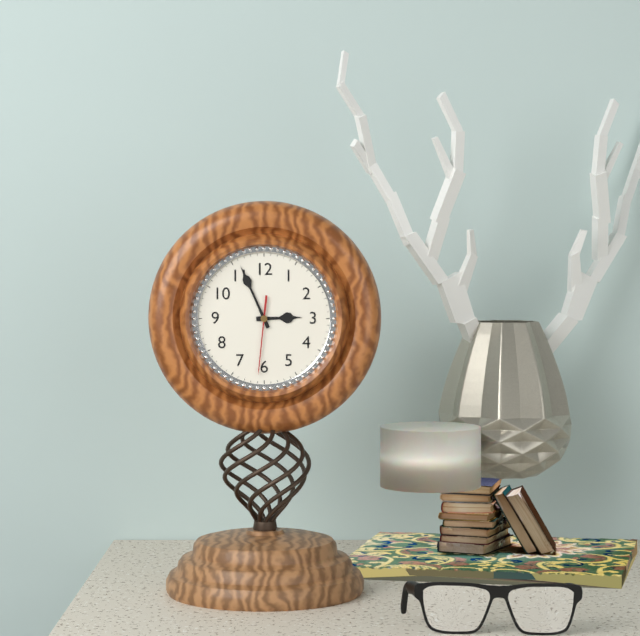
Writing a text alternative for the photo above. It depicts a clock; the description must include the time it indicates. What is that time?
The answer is 2:56:31
